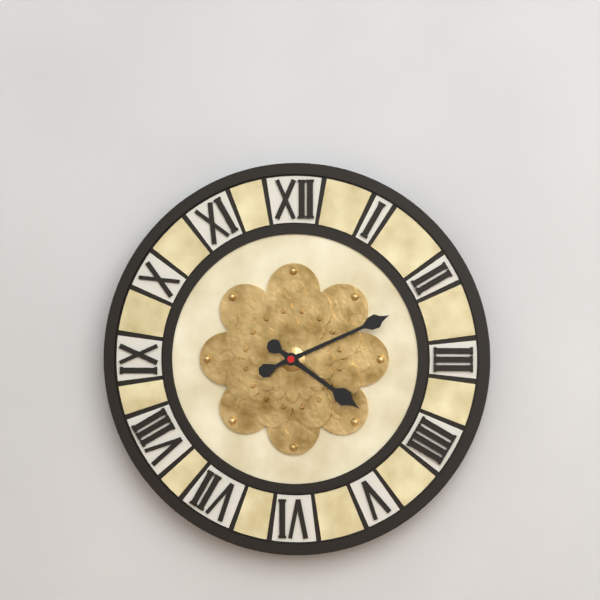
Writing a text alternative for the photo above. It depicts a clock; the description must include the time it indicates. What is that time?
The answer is 4:11
